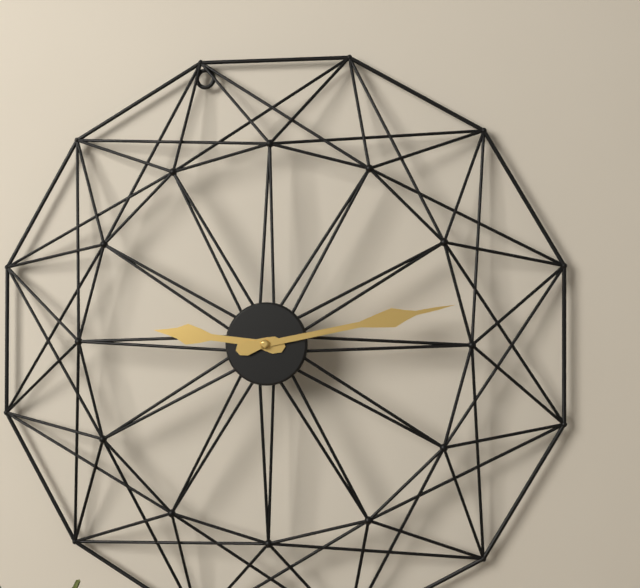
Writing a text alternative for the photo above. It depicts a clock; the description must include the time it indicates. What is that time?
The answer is 9:13
